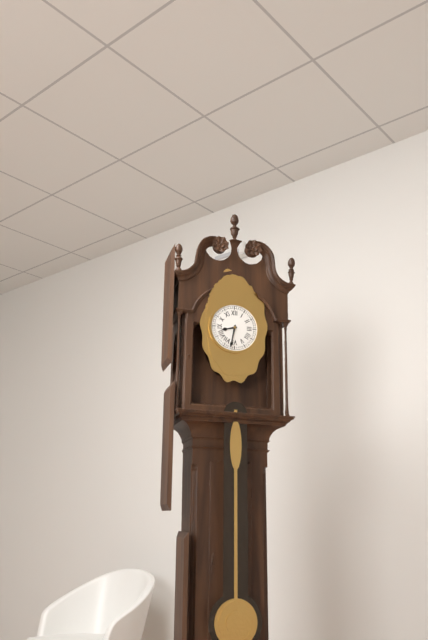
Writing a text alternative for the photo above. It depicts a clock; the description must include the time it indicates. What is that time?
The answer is 8:32
